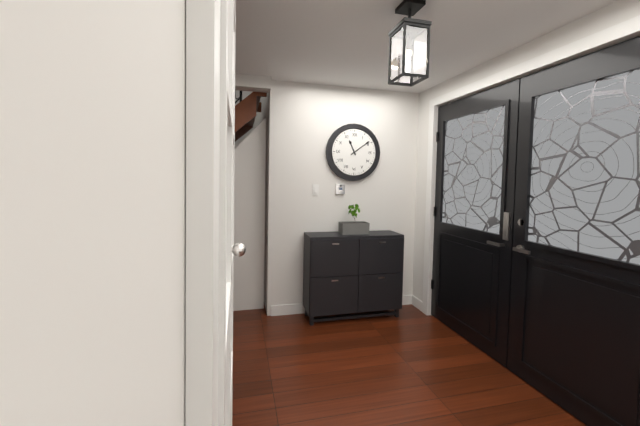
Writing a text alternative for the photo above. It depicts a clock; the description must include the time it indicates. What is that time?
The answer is 11:09
